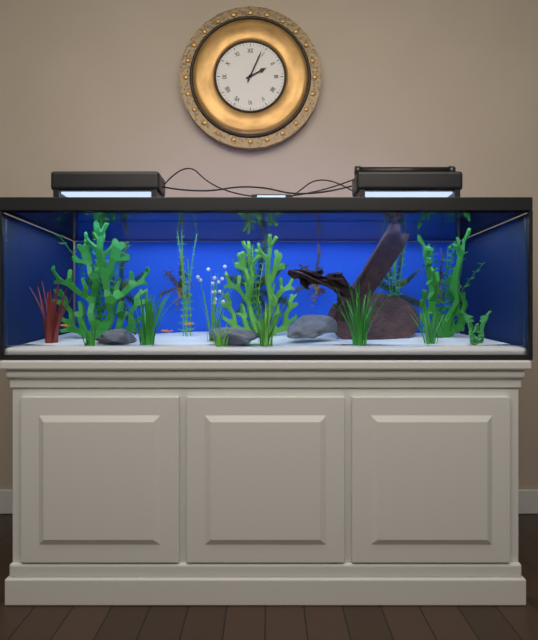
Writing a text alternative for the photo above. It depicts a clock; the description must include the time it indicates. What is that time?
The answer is 2:04
